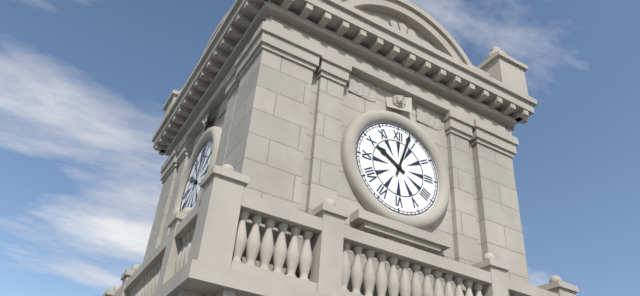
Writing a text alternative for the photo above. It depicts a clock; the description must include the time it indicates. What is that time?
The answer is 10:03
